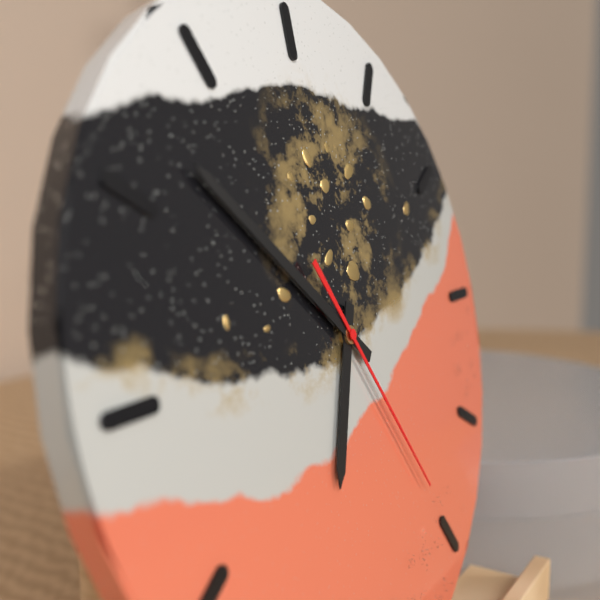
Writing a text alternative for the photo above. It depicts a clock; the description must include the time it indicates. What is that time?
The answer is 6:52:25
